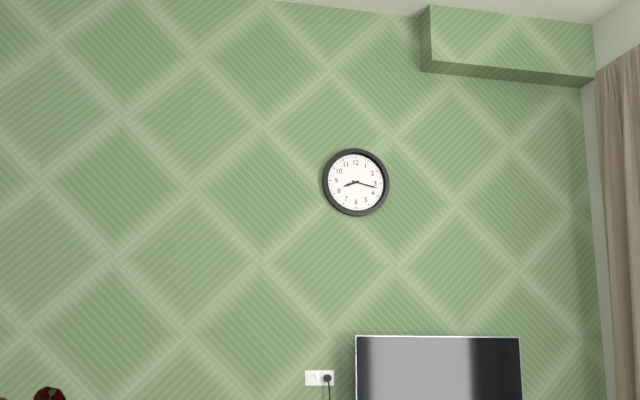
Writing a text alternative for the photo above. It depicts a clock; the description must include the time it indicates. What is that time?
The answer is 8:17
